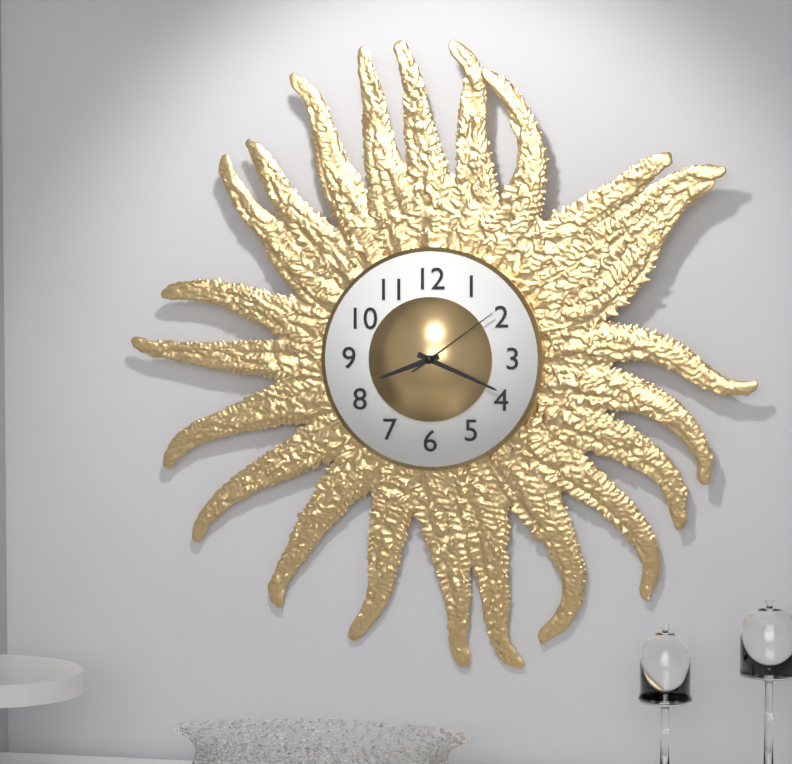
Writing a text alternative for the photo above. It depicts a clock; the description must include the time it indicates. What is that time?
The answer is 8:19:09
